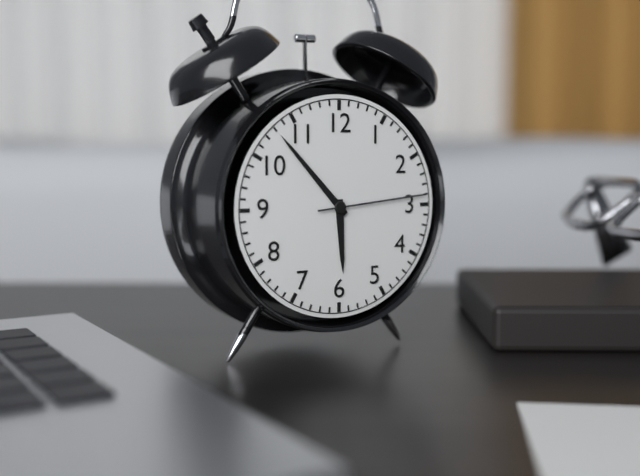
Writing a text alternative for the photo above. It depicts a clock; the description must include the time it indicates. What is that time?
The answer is 5:53:14
